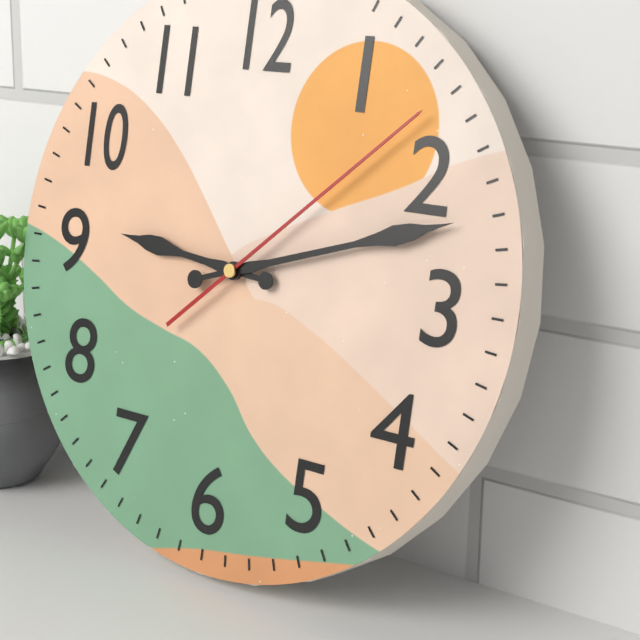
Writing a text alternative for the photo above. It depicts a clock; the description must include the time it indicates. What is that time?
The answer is 9:12:08
